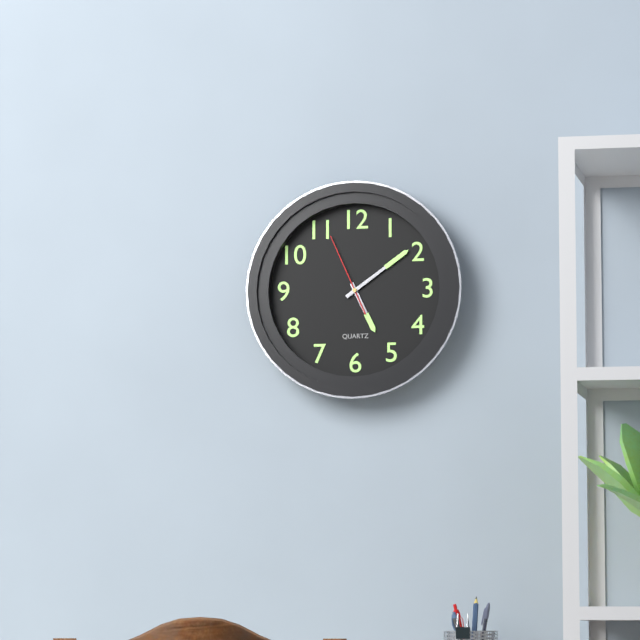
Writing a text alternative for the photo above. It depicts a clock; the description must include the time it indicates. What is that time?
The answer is 5:09:56
